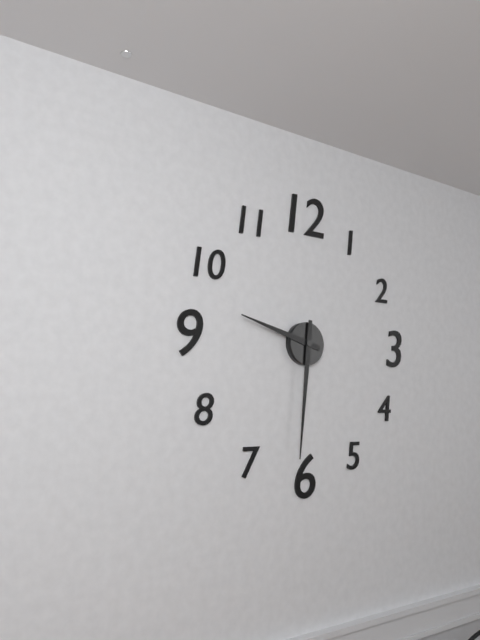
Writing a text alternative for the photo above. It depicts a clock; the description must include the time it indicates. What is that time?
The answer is 9:31
